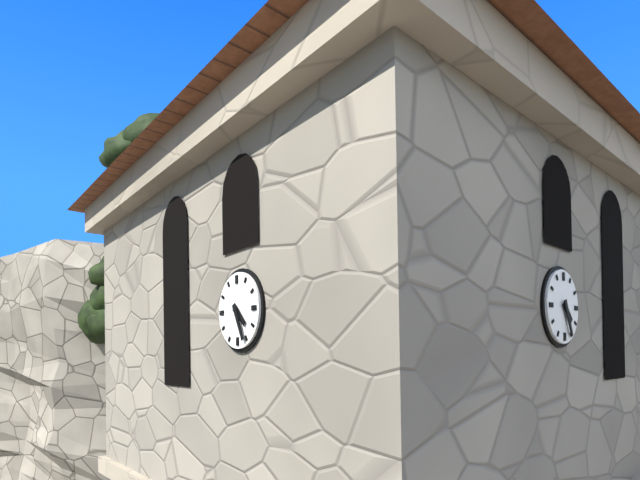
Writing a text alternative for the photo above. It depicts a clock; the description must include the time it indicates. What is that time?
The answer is 4:26
